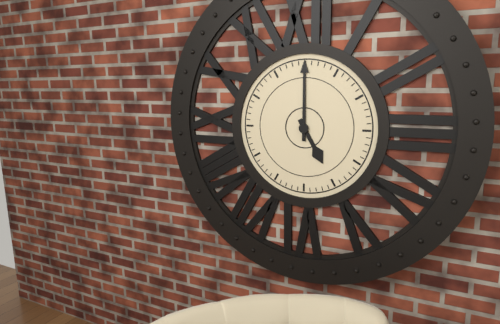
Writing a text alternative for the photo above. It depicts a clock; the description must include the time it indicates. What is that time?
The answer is 5:00
